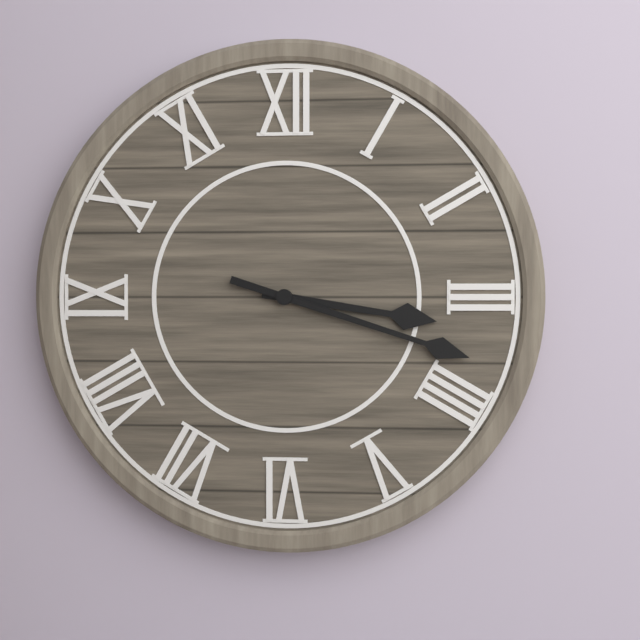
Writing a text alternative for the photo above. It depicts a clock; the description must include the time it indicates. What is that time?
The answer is 3:18
